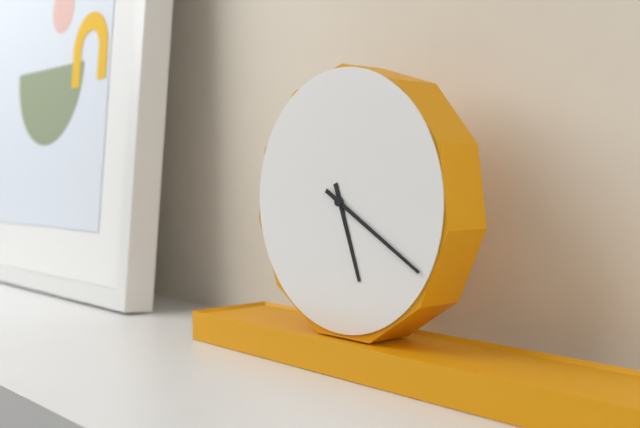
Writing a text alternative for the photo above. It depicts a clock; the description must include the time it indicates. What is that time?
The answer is 5:20
